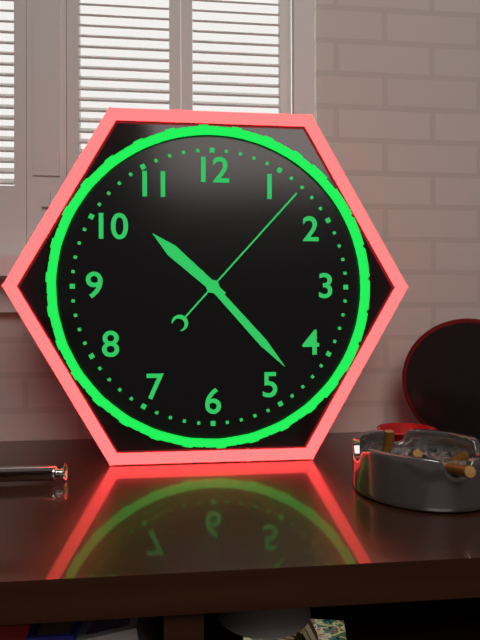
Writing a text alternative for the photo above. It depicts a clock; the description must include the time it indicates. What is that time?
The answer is 10:23:07
